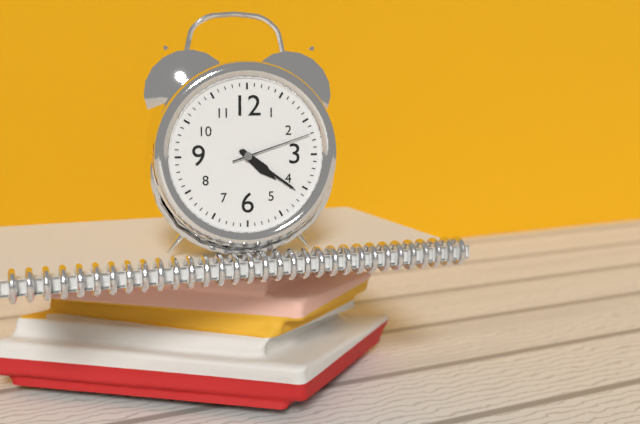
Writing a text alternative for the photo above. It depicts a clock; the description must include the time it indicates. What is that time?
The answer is 4:21:12
